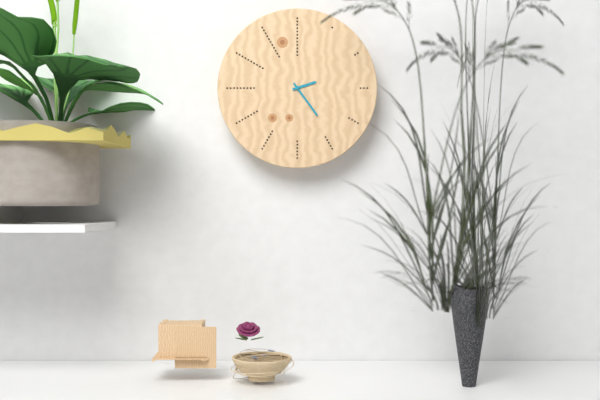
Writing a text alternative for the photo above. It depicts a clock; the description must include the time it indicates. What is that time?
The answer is 2:24
